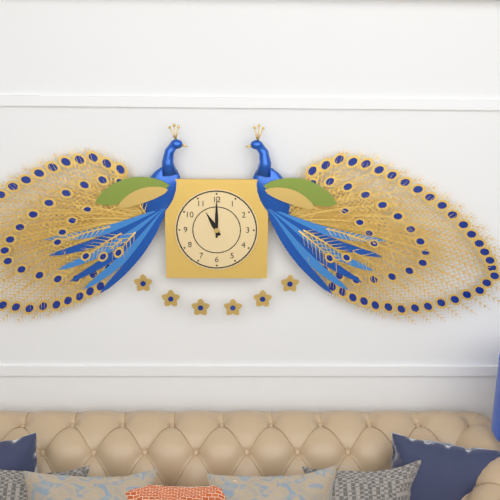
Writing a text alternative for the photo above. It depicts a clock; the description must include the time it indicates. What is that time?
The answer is 11:00
